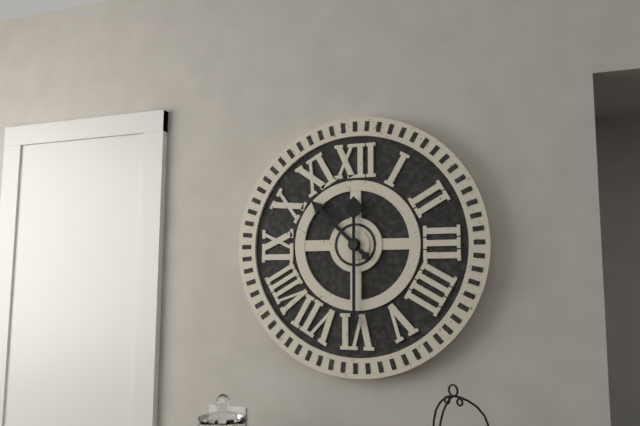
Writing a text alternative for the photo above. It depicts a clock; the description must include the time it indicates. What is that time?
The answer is 10:30
